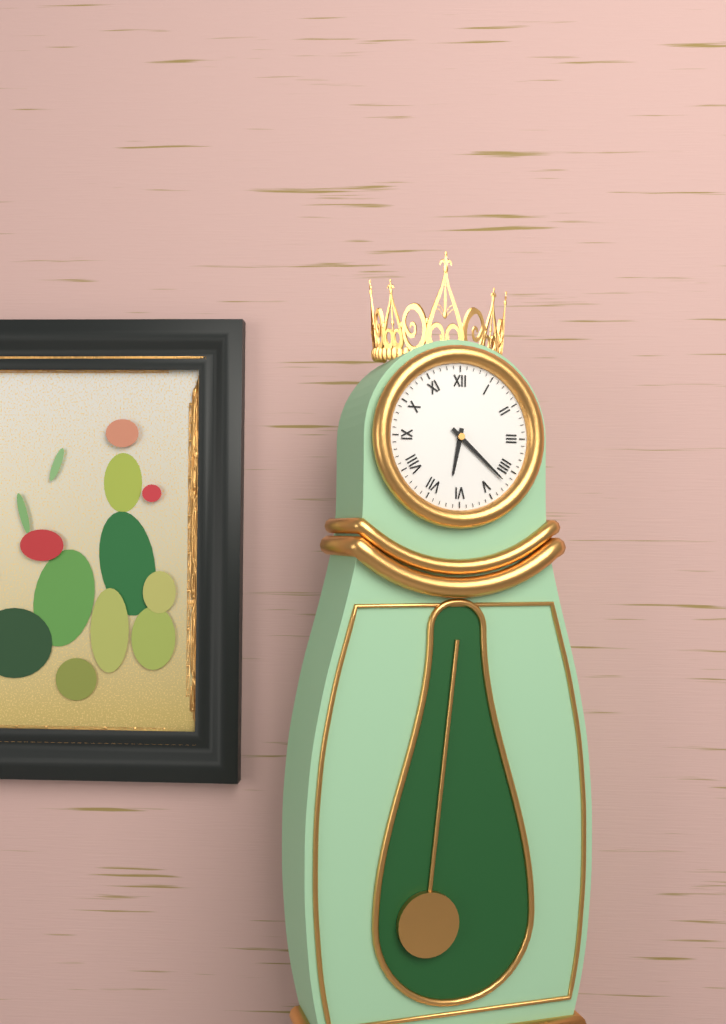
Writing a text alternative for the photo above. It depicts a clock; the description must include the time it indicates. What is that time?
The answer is 6:22
